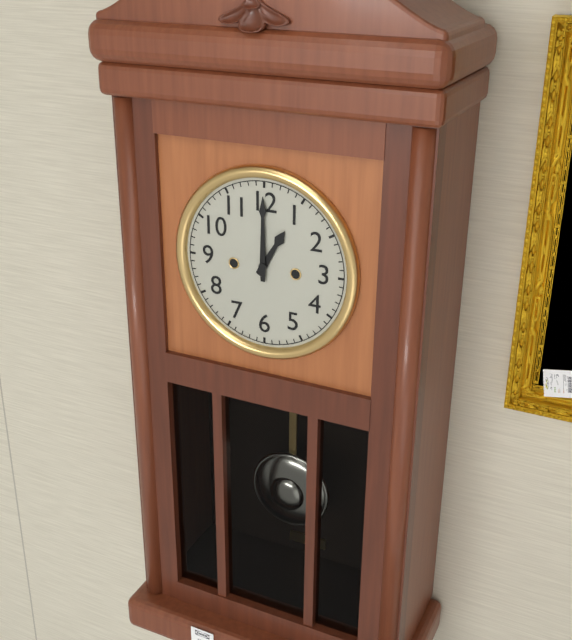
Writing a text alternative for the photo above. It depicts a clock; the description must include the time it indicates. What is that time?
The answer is 1:00
